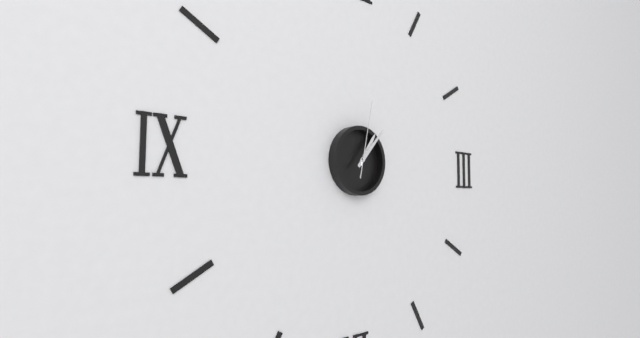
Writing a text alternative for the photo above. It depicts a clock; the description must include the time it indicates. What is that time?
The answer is 1:07:02
